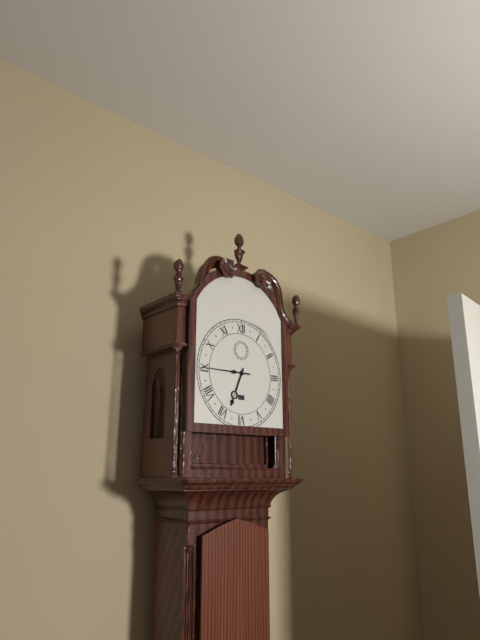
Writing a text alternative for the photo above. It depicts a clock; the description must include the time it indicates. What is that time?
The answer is 6:45
